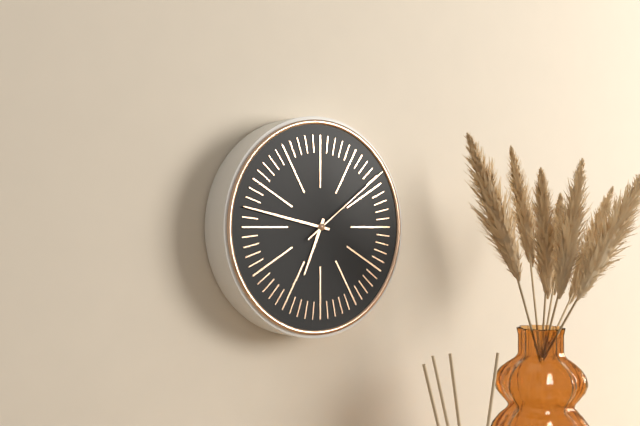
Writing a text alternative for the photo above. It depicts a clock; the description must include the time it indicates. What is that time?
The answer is 6:47:09
